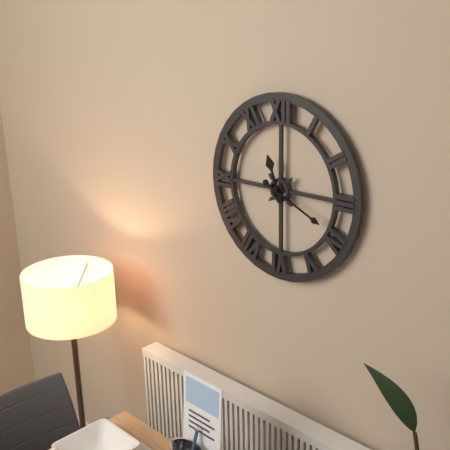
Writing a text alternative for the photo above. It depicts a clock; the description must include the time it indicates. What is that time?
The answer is 11:19
